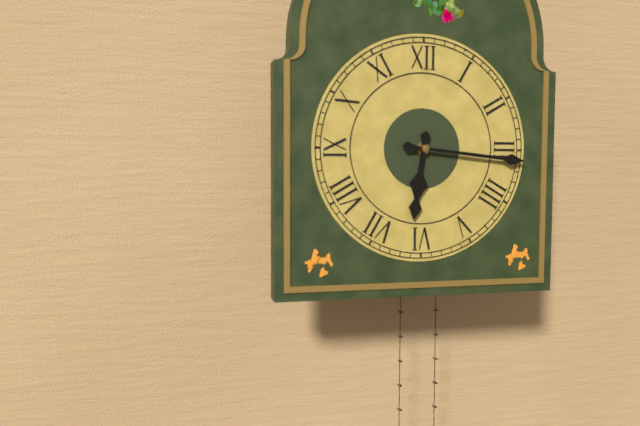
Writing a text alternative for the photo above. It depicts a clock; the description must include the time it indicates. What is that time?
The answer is 6:16
